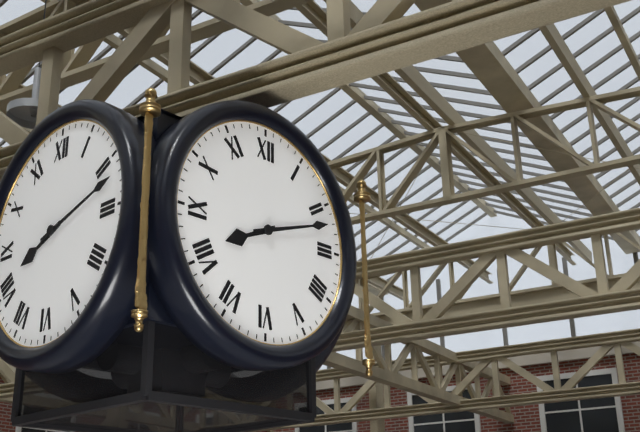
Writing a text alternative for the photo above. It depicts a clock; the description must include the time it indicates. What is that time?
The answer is 8:12
